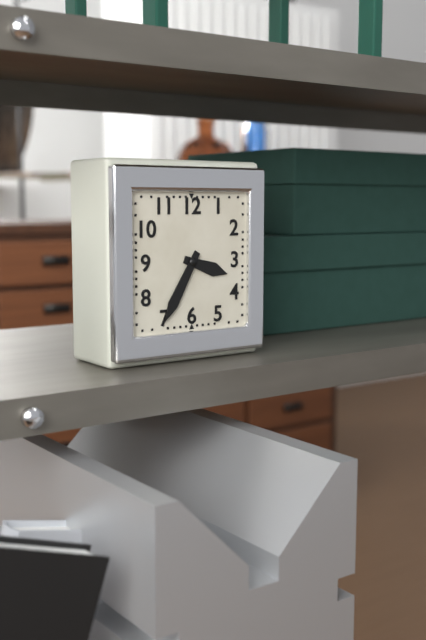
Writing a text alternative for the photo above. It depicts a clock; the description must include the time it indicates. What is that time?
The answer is 3:35
